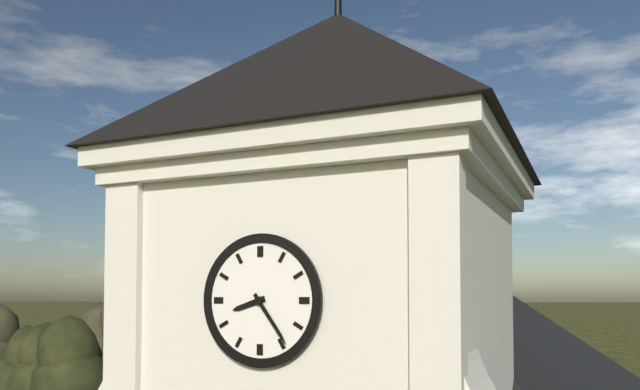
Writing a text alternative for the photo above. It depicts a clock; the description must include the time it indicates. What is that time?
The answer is 8:24
